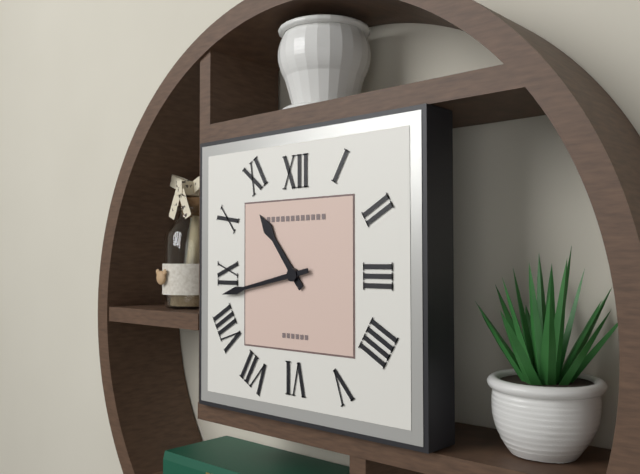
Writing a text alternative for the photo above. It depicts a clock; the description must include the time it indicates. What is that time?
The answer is 10:43
